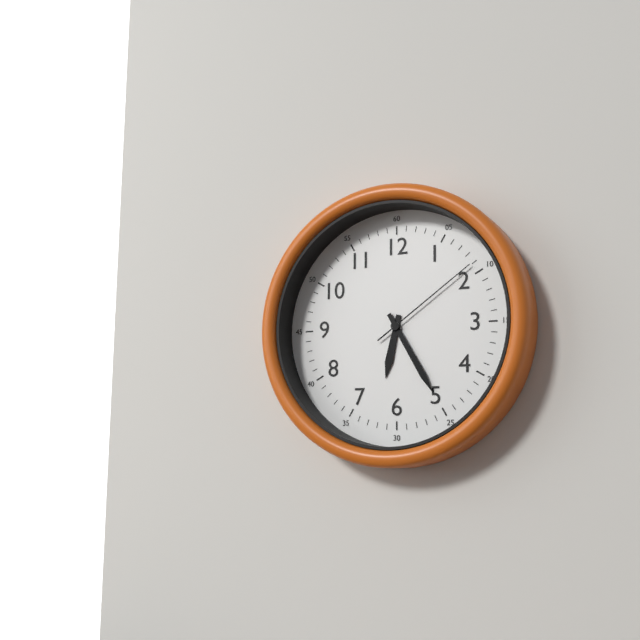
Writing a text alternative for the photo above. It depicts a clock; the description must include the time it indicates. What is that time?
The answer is 6:25:09
